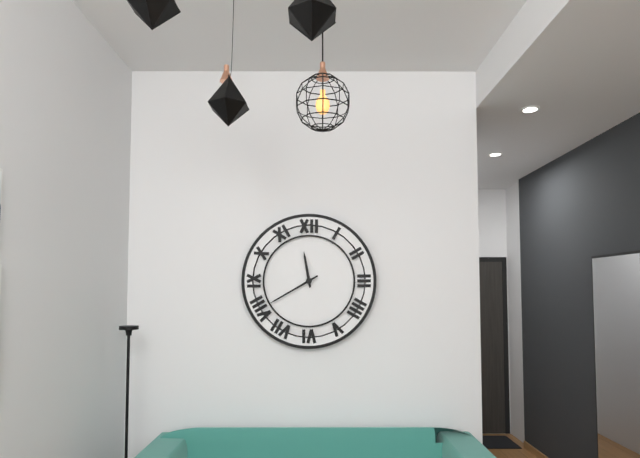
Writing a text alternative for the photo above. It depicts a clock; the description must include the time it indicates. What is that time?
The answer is 11:40
